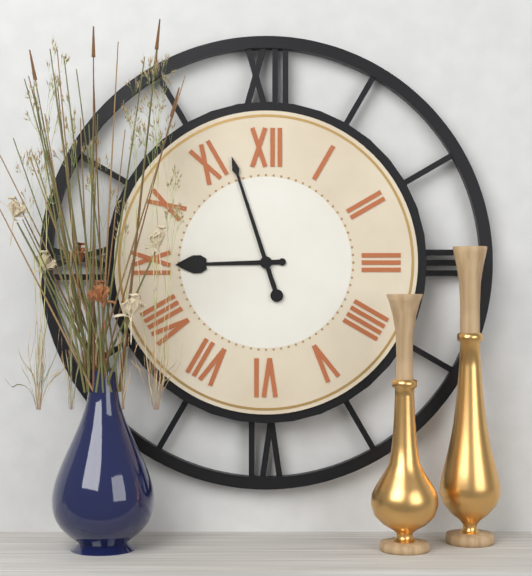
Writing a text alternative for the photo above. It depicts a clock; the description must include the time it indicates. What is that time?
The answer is 8:57
